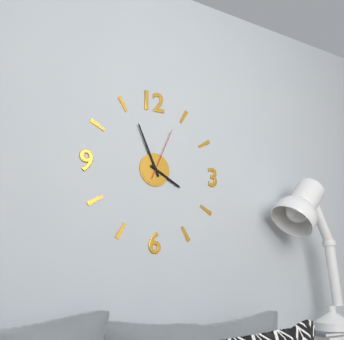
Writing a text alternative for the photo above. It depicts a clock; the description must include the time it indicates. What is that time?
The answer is 3:56:04
